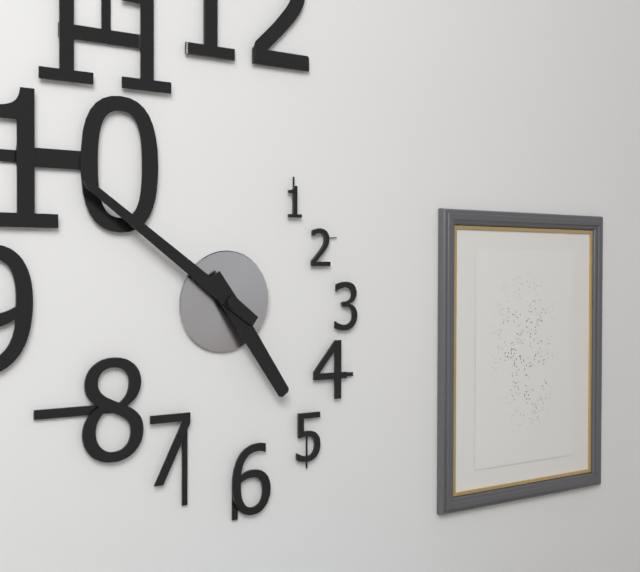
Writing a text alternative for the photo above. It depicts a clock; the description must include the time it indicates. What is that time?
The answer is 4:51
